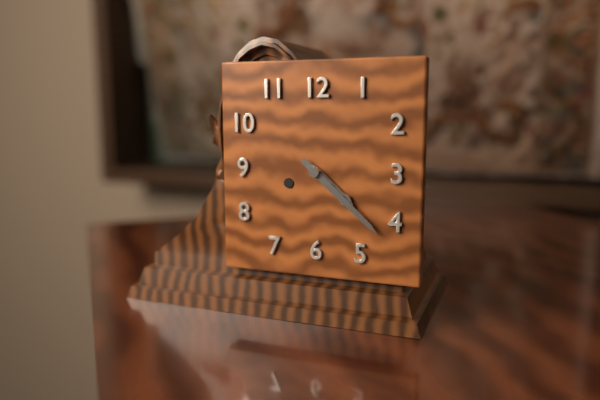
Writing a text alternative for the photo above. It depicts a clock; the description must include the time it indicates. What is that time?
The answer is 4:22
